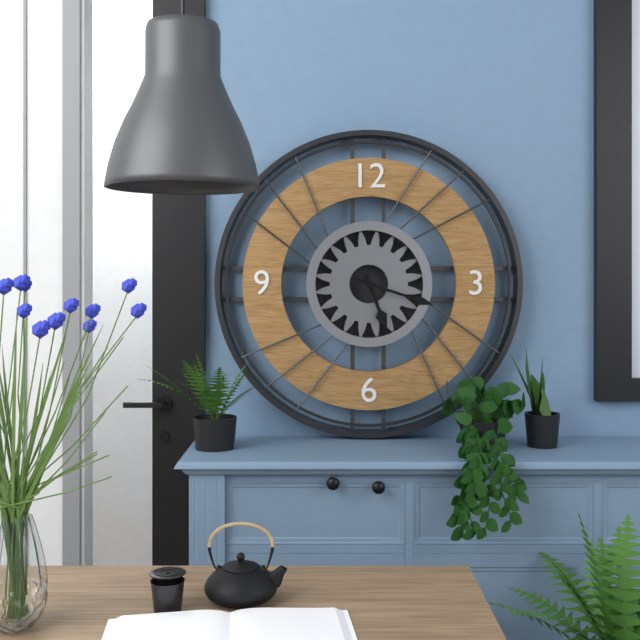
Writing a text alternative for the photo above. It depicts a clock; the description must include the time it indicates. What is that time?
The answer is 5:18
